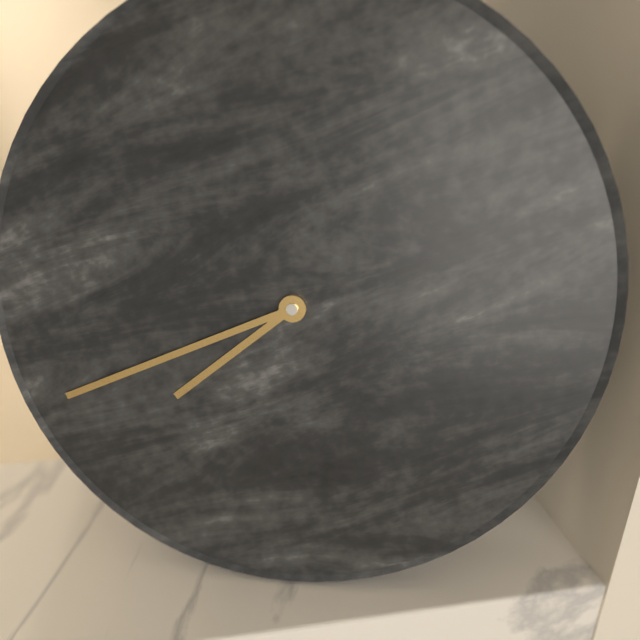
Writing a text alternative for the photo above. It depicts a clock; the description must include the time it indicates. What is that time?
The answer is 7:41
